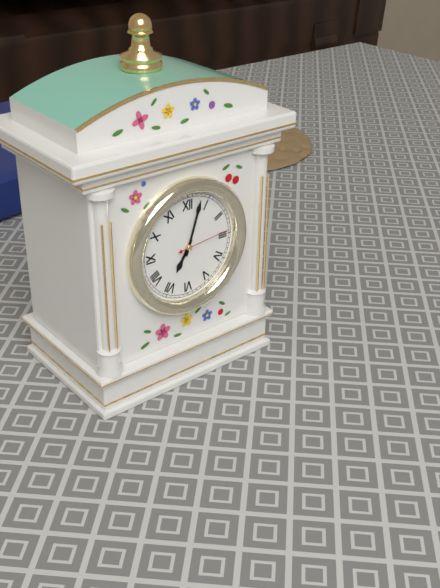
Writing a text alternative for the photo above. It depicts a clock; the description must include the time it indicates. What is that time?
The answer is 7:03:14
